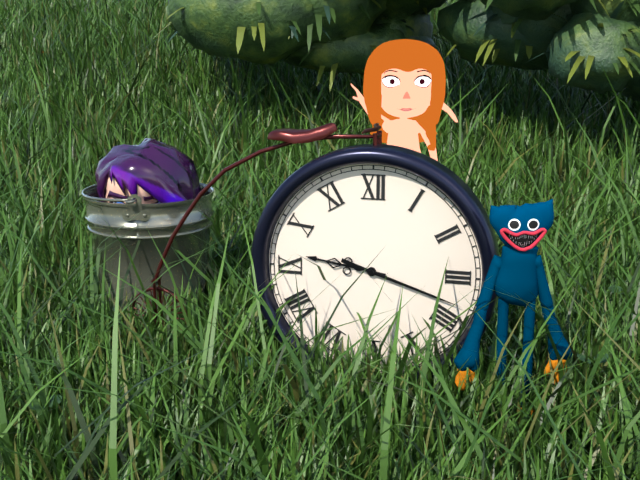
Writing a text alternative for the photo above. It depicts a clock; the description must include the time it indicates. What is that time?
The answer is 9:18
